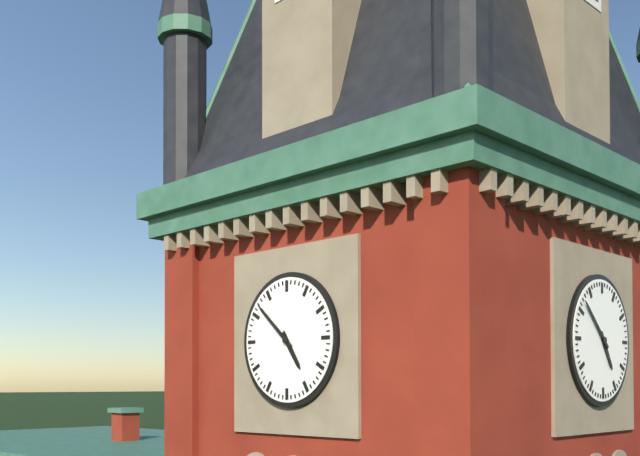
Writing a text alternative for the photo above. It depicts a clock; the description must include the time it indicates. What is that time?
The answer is 4:52
